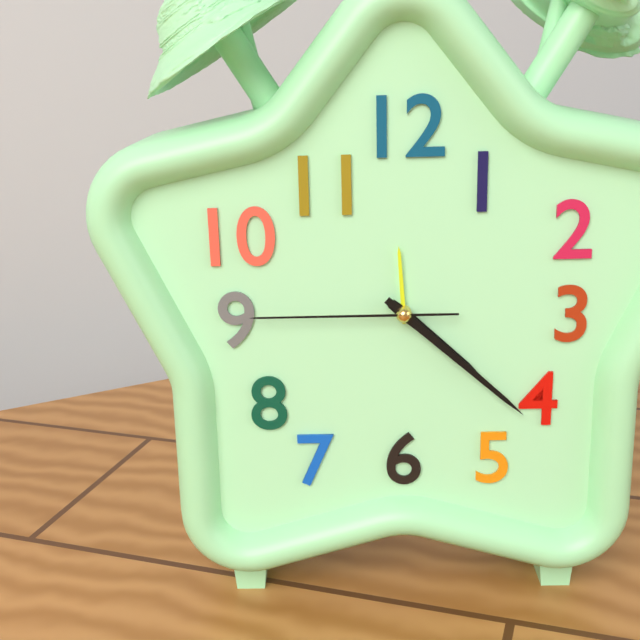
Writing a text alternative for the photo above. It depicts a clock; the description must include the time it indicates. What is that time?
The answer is 4:22:45
